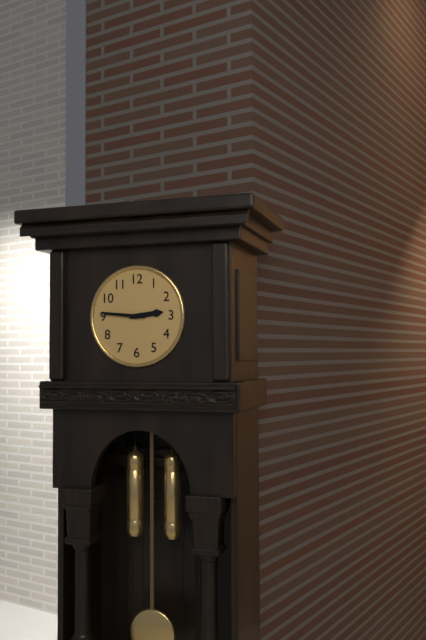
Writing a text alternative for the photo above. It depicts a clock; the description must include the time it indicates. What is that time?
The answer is 2:46
